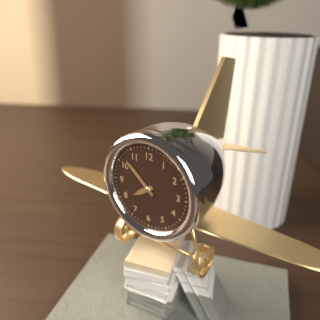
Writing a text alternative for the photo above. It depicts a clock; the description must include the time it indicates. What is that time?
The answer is 7:52
